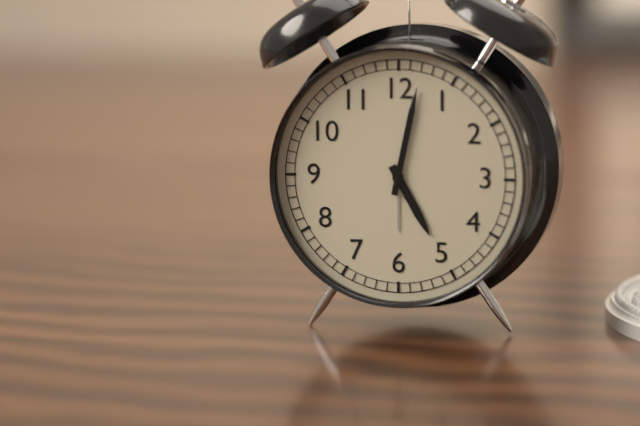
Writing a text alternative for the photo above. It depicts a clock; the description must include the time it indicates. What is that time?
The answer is 5:02
